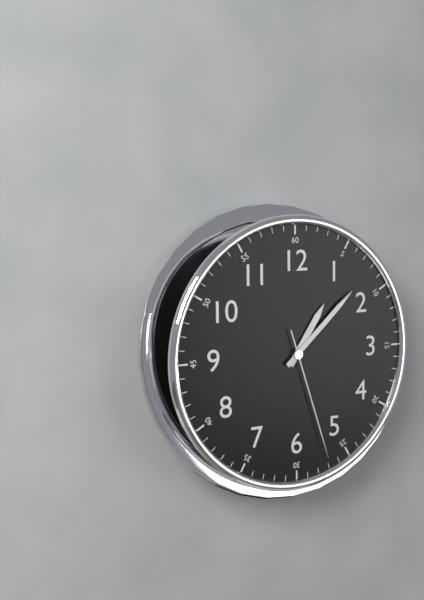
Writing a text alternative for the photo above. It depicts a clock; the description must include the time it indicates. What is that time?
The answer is 1:08:27
